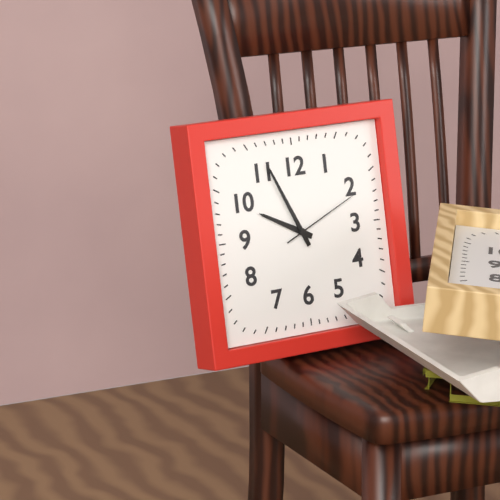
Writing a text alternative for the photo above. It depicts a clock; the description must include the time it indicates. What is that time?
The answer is 9:56:11
